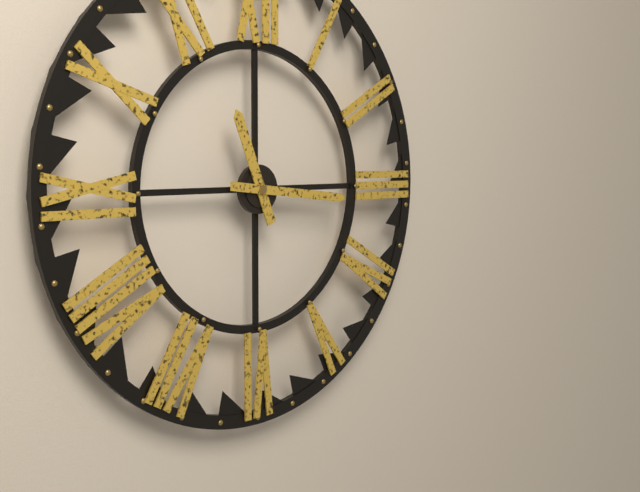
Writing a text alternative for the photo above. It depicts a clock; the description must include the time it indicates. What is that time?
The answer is 11:16
